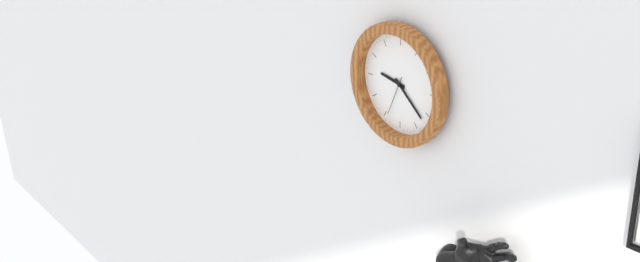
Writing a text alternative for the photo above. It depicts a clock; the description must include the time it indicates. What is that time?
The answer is 9:22
